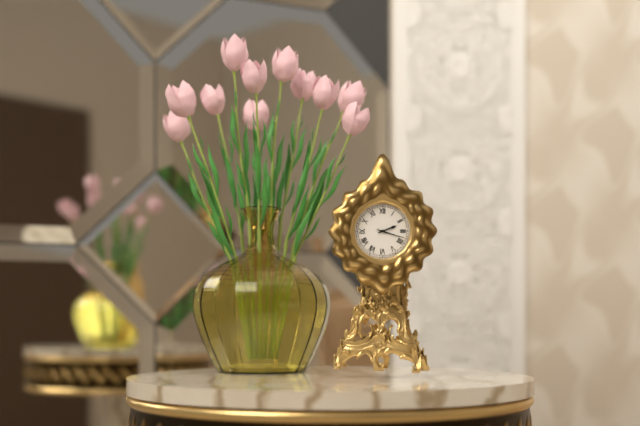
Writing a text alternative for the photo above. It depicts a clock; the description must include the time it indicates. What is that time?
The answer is 2:18
